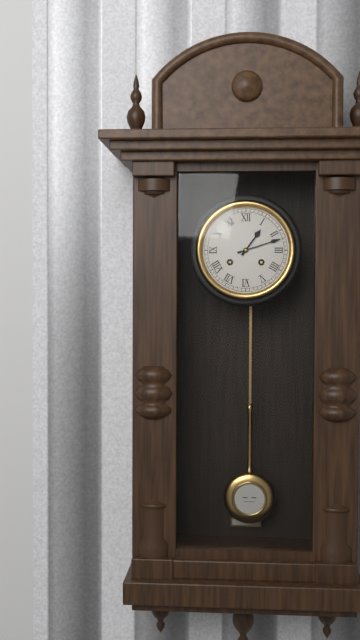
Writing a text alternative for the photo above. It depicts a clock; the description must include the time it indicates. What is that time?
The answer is 1:12
